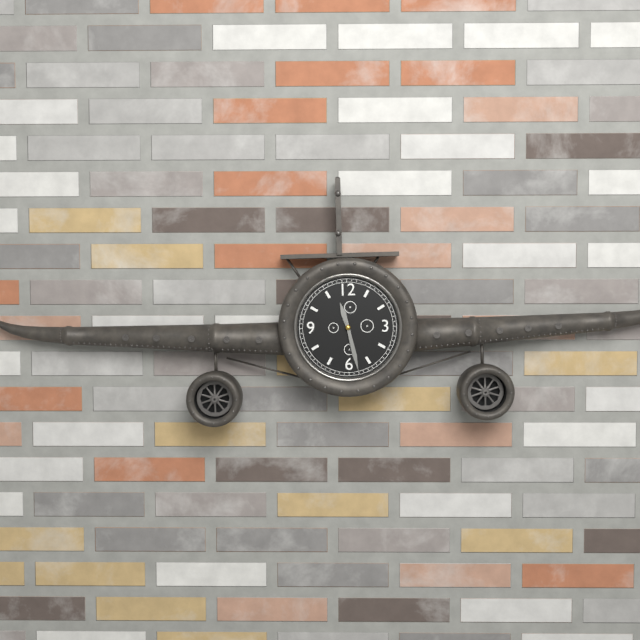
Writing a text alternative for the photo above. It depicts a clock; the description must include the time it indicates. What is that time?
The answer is 11:28
